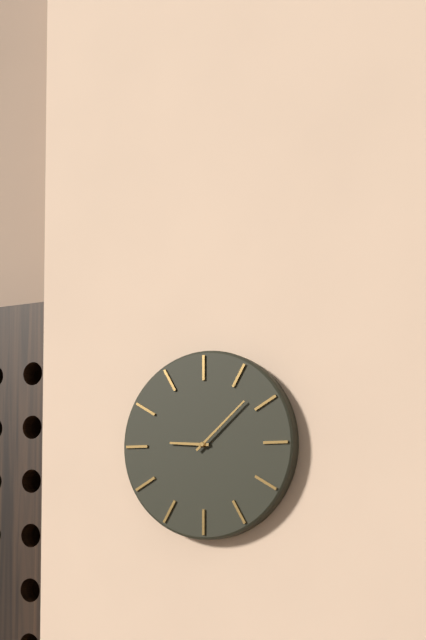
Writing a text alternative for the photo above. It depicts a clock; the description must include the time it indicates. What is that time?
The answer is 9:08
